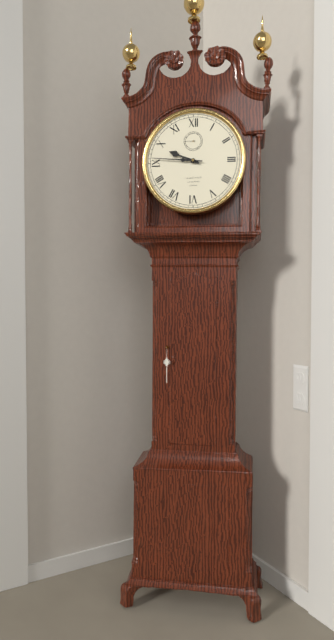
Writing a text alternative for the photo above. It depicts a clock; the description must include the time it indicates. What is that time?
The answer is 9:46
